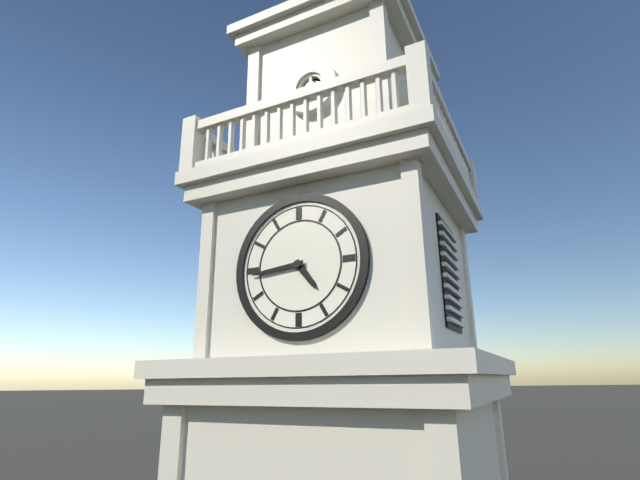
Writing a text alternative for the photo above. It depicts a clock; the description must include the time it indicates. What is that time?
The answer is 4:44
